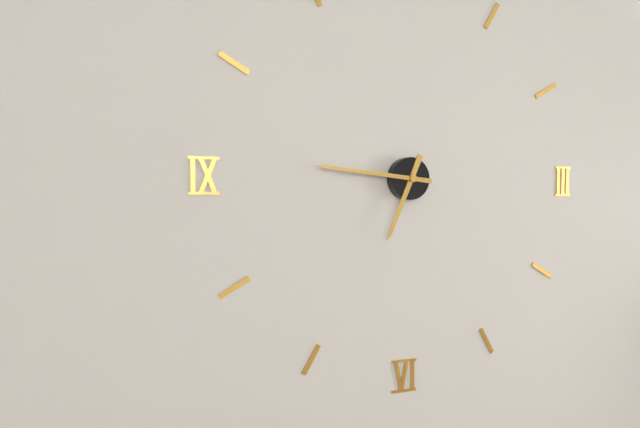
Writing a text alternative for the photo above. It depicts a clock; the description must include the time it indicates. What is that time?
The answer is 6:46
